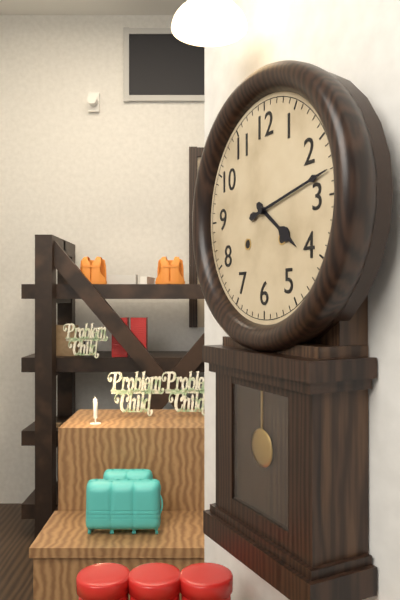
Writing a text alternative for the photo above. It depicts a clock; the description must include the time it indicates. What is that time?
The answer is 4:13
